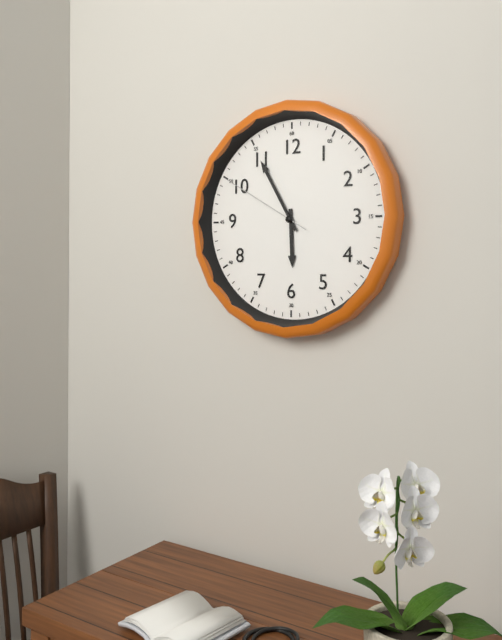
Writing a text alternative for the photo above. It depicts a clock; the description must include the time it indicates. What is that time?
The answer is 5:55:50
